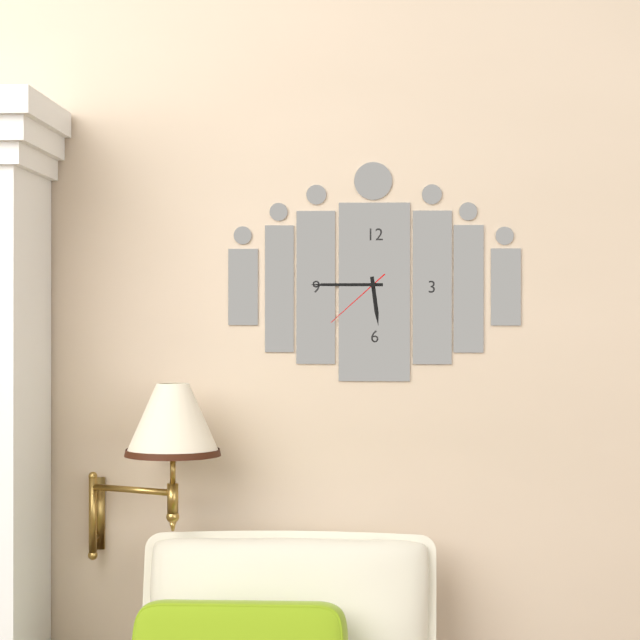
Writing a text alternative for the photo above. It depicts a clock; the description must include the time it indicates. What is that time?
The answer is 5:45:38
